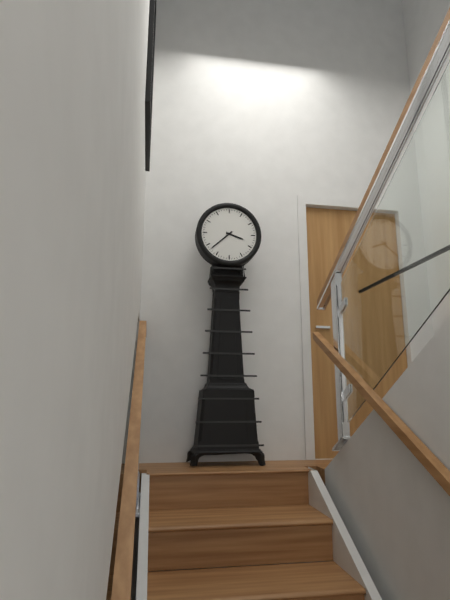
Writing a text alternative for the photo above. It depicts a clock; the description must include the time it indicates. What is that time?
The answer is 3:38
